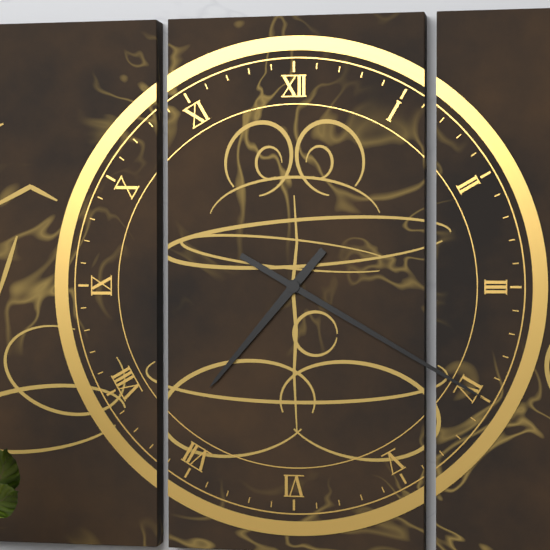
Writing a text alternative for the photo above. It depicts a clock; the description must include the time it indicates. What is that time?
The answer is 7:20
